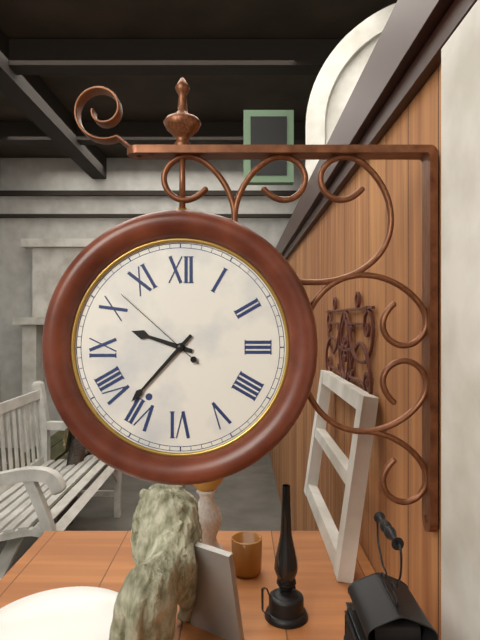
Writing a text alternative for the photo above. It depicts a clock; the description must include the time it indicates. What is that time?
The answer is 9:37:52
